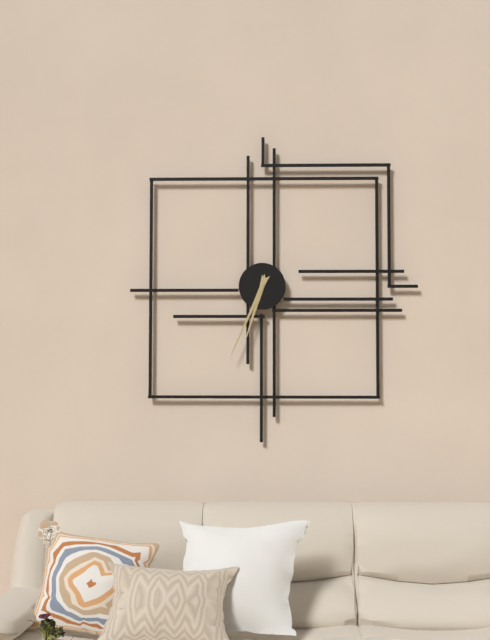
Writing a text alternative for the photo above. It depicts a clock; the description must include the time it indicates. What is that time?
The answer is 6:34
